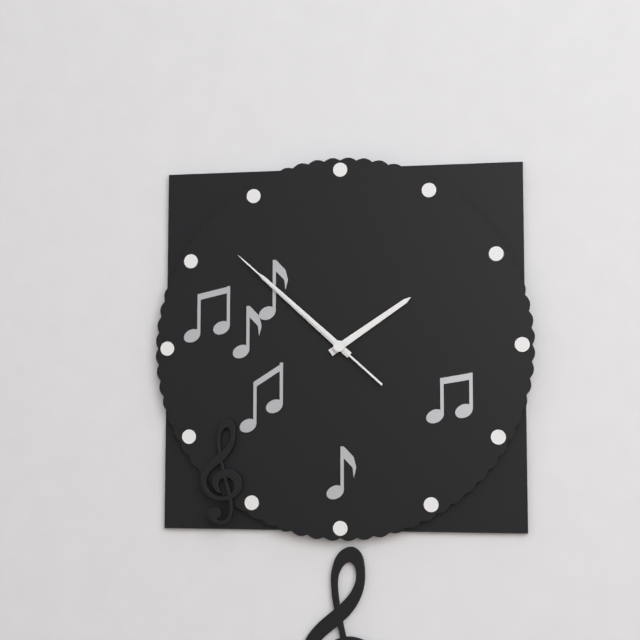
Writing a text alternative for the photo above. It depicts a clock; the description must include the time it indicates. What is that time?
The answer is 1:52:52
